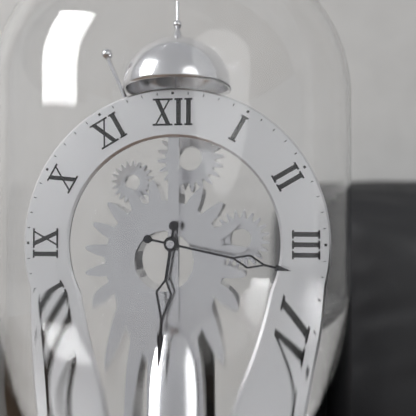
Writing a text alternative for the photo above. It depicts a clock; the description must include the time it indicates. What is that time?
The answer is 6:17
